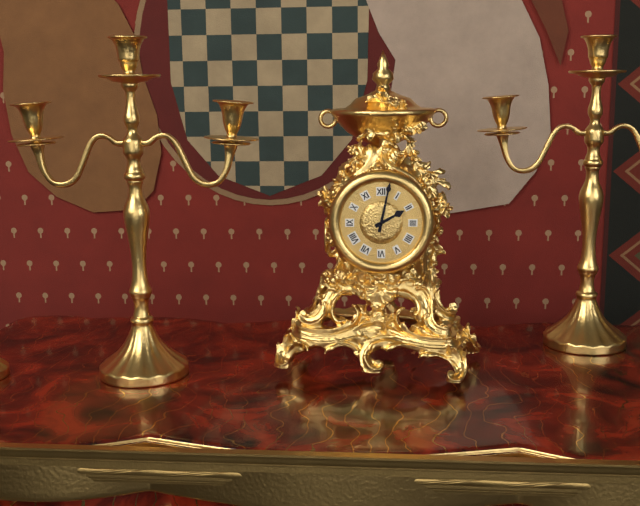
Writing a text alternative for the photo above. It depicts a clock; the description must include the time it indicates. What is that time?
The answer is 2:02
